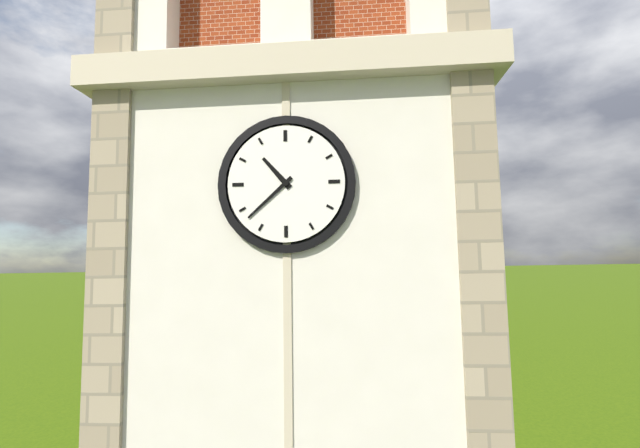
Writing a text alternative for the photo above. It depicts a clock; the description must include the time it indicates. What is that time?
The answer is 10:38
